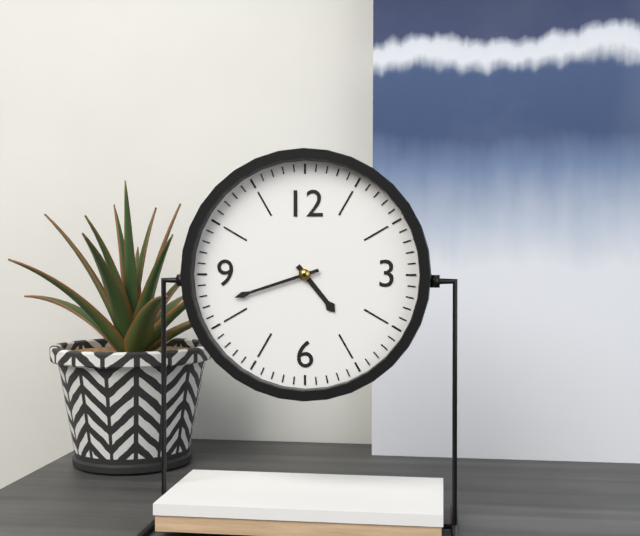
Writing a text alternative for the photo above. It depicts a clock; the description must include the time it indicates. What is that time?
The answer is 4:42
